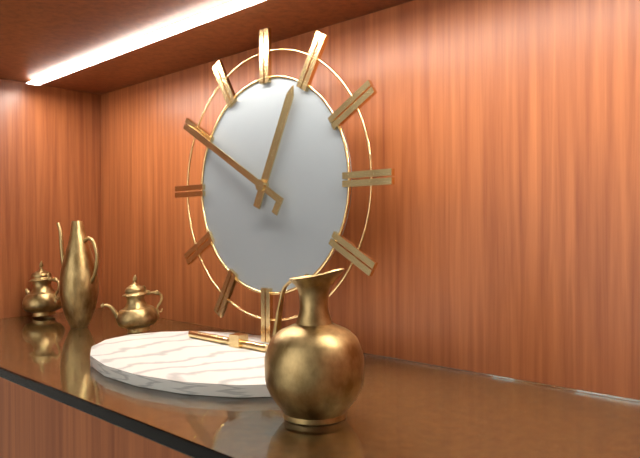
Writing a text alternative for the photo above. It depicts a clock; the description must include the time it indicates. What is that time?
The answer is 12:50
